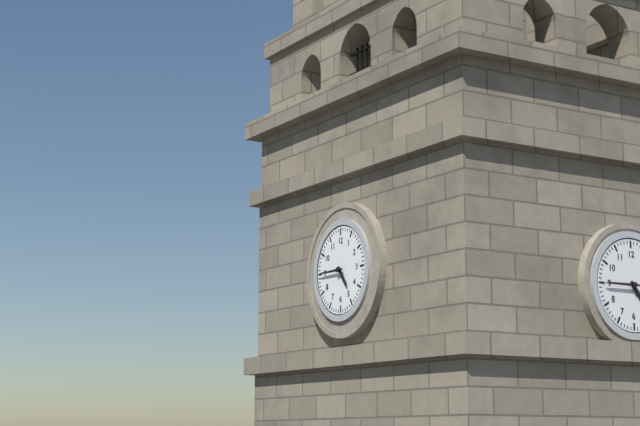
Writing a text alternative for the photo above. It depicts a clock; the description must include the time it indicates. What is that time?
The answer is 4:45
